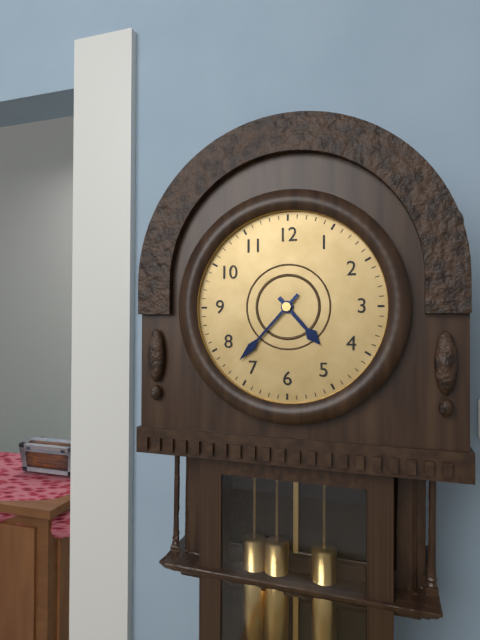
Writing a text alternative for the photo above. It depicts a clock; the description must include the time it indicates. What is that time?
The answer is 4:37
